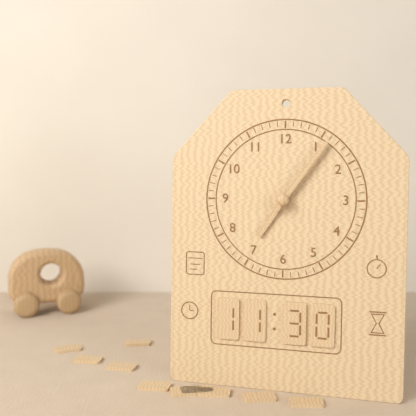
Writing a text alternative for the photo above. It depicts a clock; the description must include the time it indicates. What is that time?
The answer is 7:06
